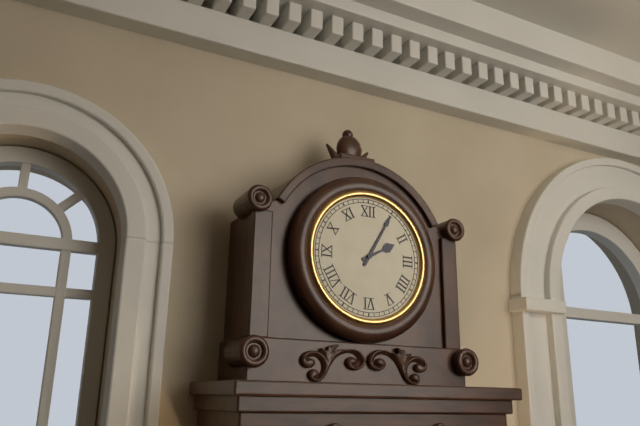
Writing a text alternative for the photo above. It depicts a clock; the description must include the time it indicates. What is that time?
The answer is 2:05
